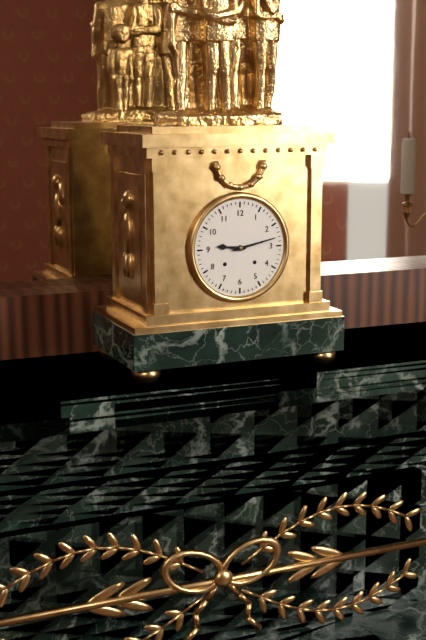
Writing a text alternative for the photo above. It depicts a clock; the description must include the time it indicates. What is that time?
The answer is 9:13
